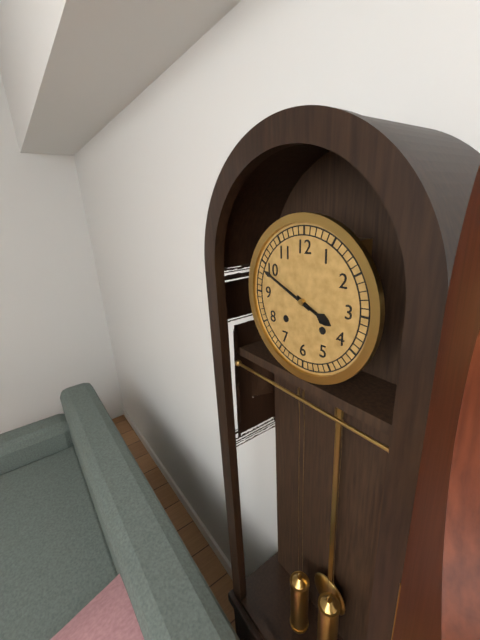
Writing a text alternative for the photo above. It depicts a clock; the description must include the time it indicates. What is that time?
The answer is 3:49
